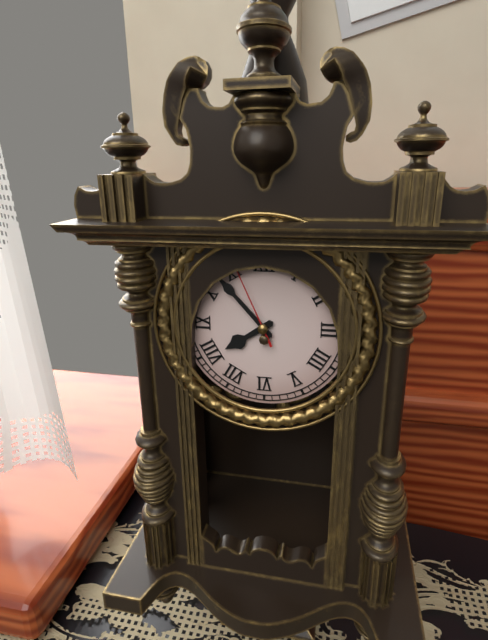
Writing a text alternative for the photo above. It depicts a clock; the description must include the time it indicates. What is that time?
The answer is 7:53:56
